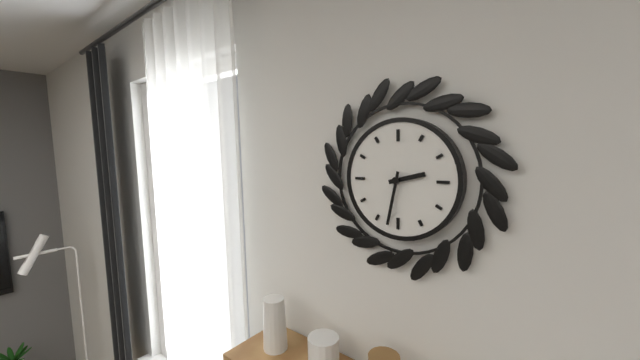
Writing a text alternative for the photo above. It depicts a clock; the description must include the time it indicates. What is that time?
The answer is 2:32
